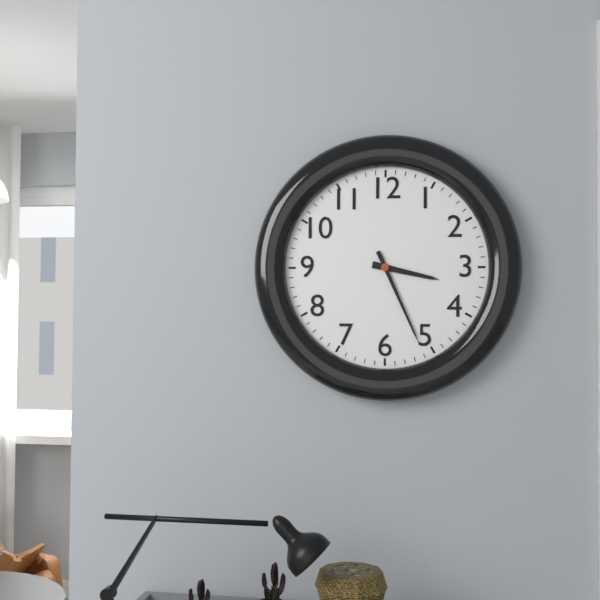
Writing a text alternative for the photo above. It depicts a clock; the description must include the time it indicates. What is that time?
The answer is 3:26
